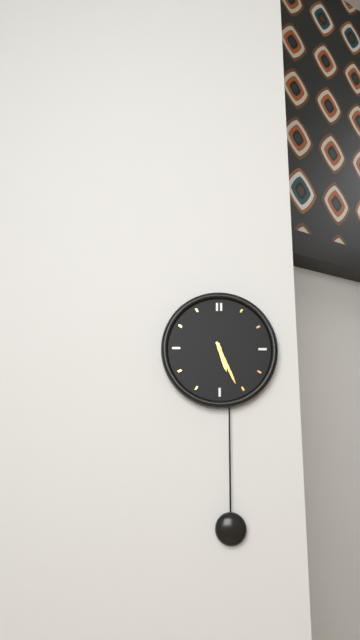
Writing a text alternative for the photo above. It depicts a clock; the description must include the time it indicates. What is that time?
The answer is 5:26
